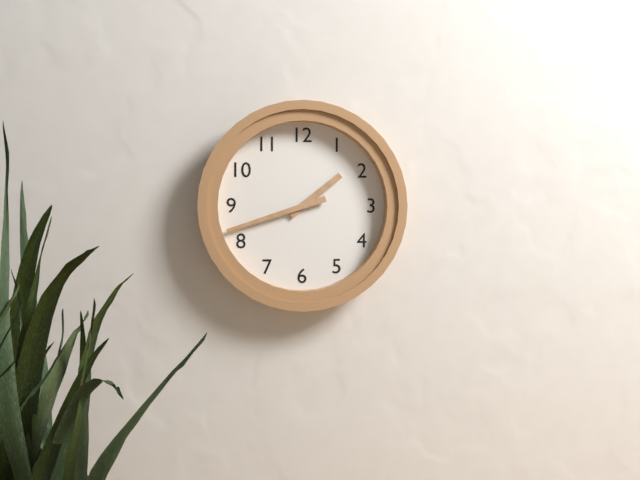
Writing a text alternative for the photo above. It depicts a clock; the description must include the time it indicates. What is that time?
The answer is 1:42
